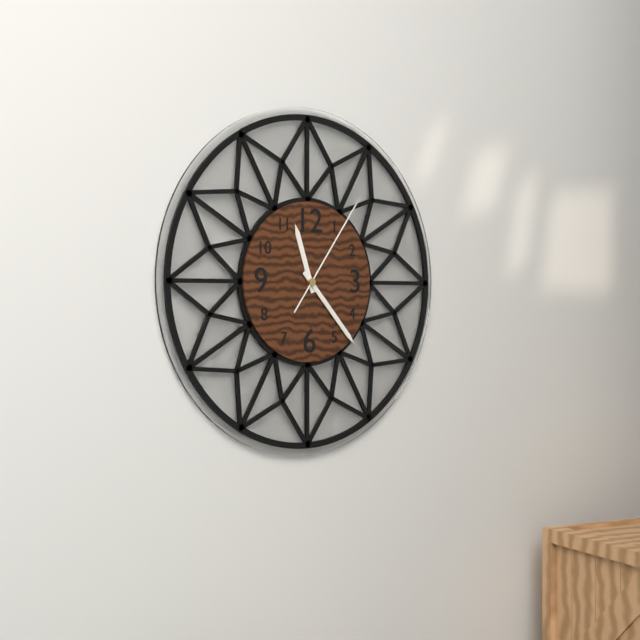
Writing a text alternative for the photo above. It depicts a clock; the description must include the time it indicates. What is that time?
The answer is 11:23:06
